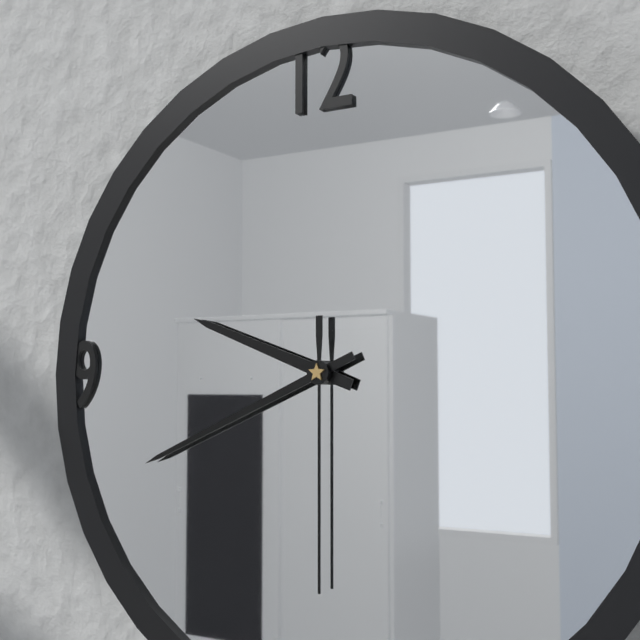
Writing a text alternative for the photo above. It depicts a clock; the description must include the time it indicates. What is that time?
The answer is 9:41:30
